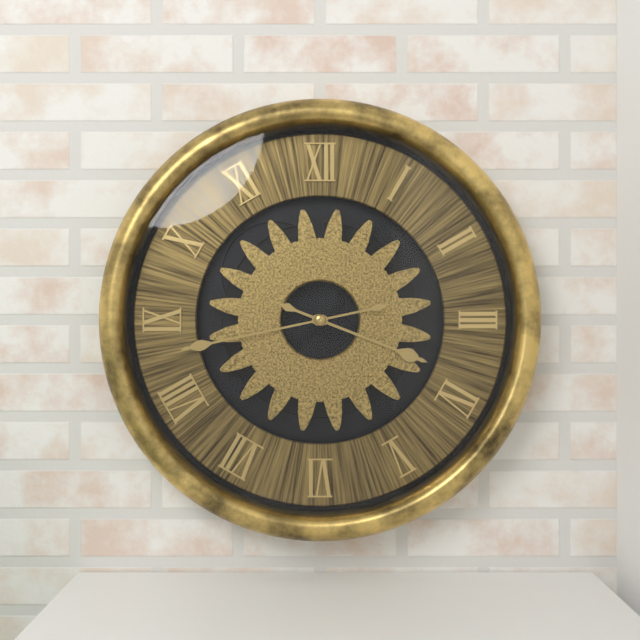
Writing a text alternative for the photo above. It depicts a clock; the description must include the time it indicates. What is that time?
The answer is 3:43
